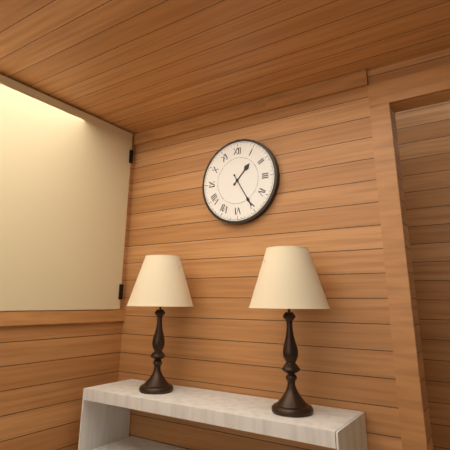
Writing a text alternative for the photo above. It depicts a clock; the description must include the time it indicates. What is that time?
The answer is 1:25
